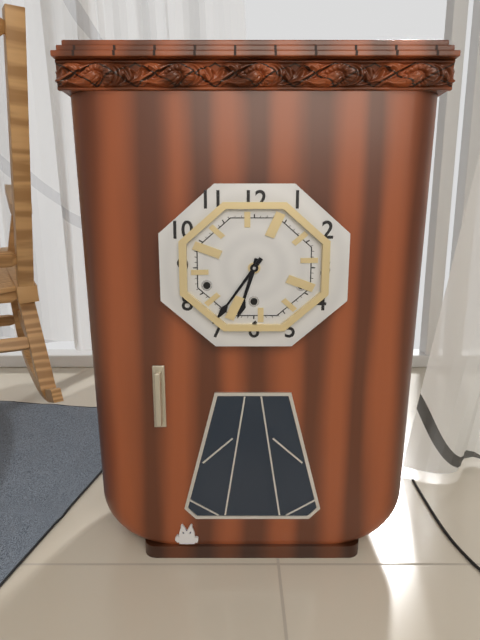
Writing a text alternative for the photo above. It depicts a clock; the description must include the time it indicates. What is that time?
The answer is 6:36
